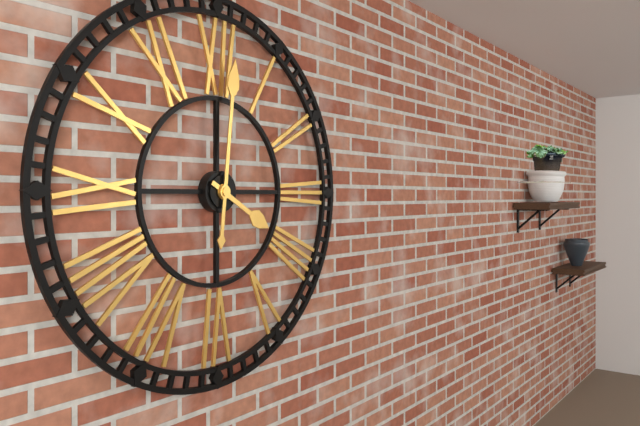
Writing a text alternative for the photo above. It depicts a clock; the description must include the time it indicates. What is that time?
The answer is 4:01
